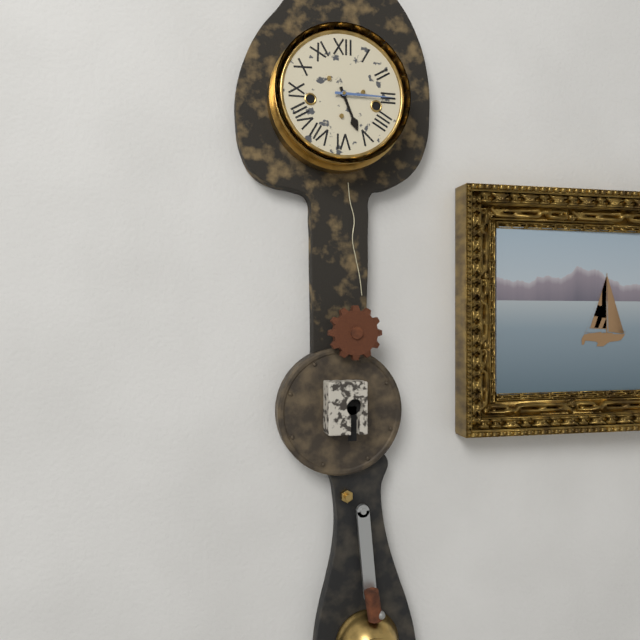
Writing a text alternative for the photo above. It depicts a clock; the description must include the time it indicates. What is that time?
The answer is 5:15
